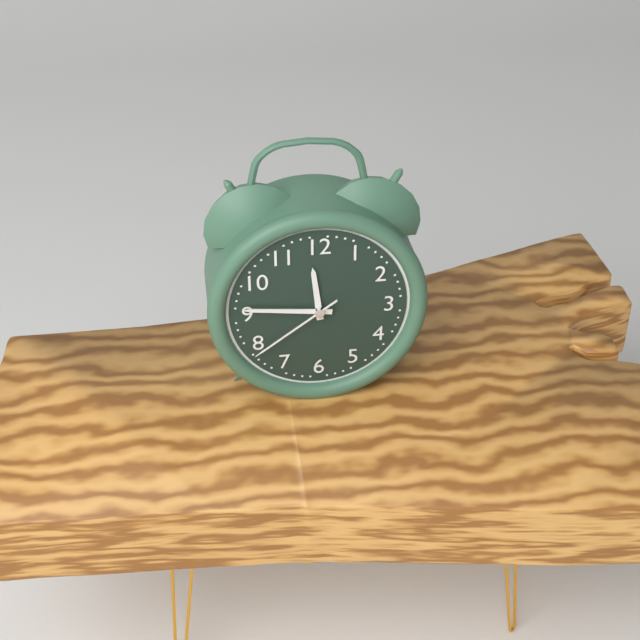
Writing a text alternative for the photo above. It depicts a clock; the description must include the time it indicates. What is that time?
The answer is 11:46:39
